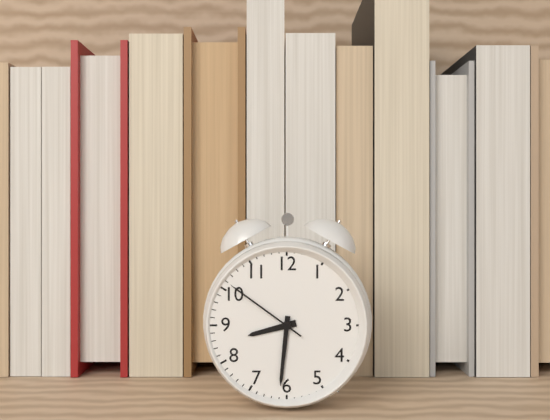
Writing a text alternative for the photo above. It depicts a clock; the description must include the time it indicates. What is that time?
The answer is 8:31:51
